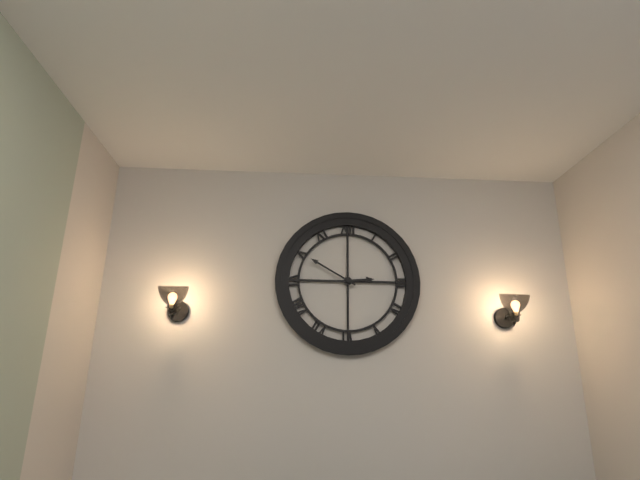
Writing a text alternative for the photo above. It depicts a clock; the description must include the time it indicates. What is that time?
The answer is 2:50
